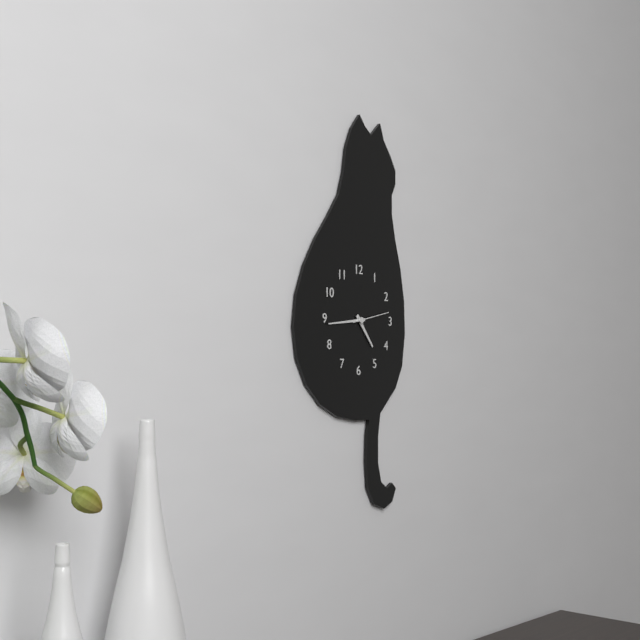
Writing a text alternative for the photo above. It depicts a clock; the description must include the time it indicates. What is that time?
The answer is 4:44
